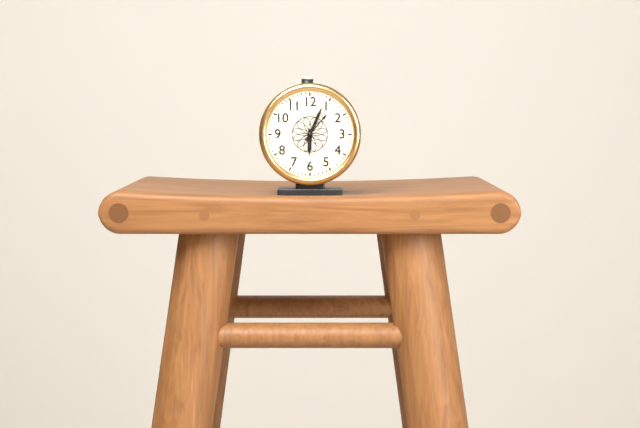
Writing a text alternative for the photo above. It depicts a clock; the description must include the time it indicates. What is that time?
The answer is 6:04
